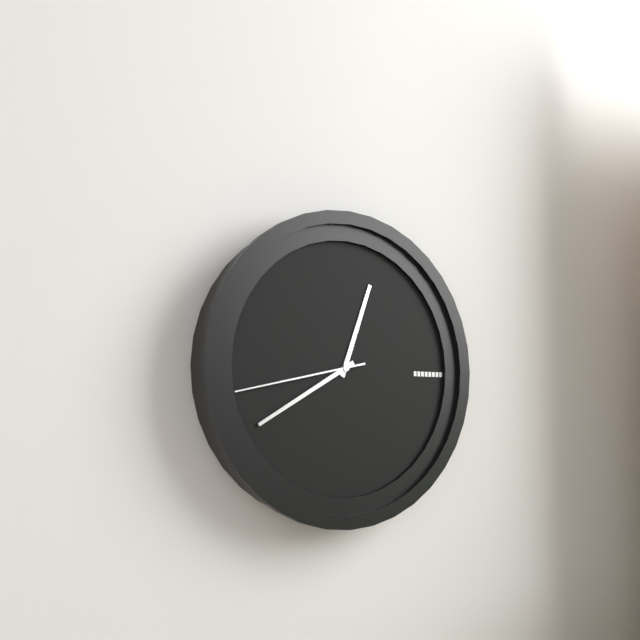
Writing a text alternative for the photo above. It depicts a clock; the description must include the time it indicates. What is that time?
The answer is 12:40:43
